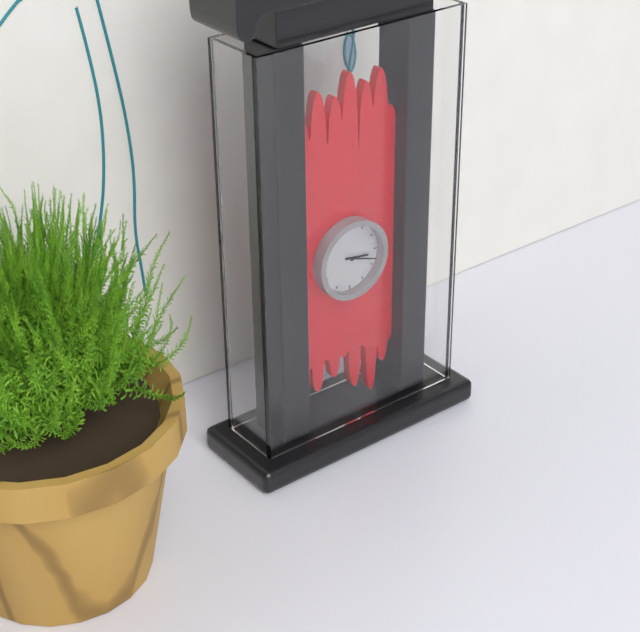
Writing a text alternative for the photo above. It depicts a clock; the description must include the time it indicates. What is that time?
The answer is 3:18
